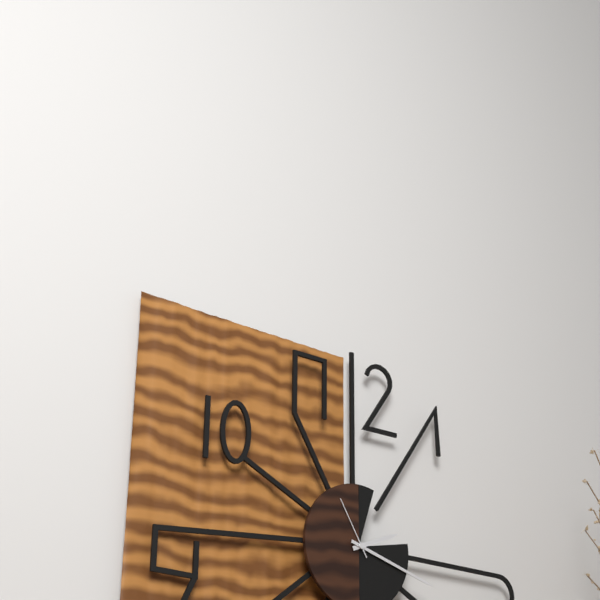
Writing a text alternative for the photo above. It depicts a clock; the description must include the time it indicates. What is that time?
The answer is 2:18:55
